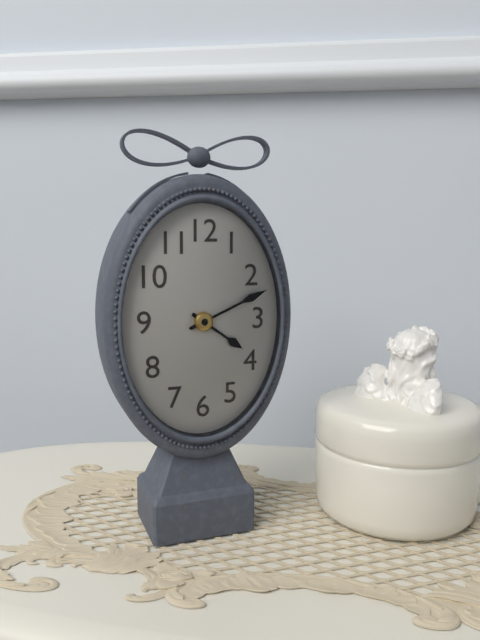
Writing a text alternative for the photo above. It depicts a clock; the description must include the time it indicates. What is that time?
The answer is 4:11
